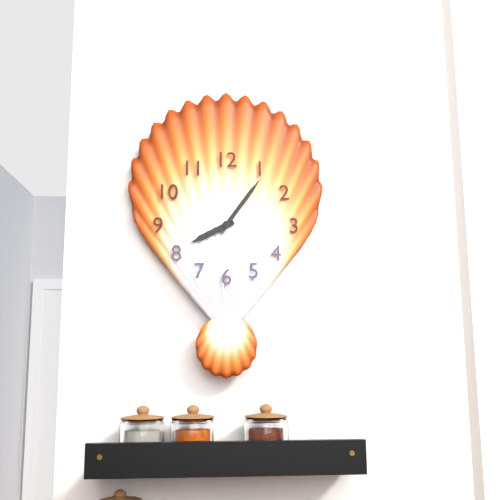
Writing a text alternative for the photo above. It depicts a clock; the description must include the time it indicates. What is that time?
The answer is 8:06
